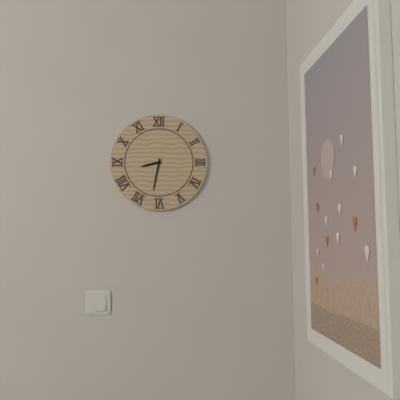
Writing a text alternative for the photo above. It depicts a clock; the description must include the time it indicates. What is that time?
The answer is 8:32
